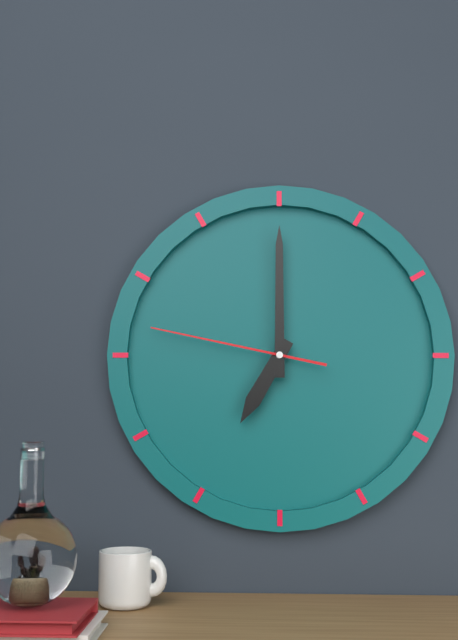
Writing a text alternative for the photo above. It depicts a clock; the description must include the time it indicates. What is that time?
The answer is 7:00:47
